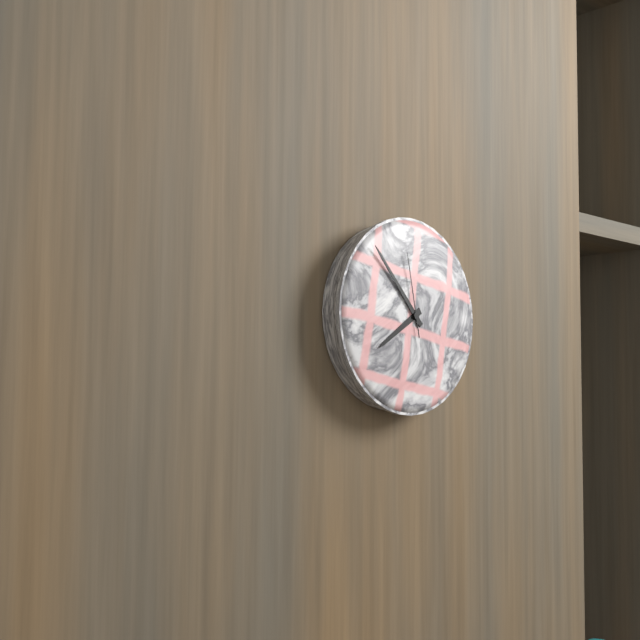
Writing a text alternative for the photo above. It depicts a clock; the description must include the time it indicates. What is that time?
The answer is 7:53:58
